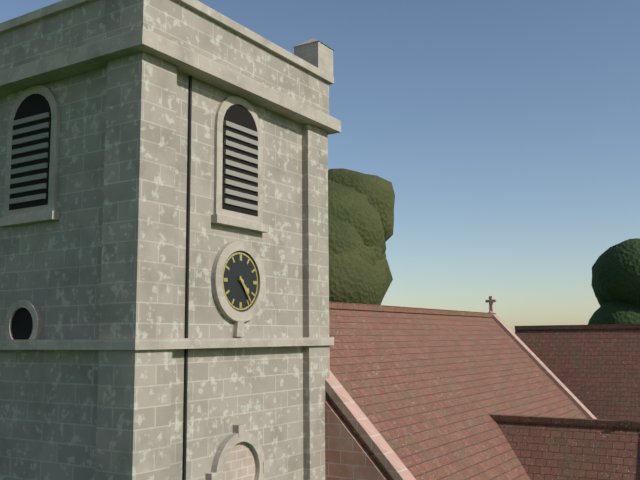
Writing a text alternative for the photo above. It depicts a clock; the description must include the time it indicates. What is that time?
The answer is 4:24
